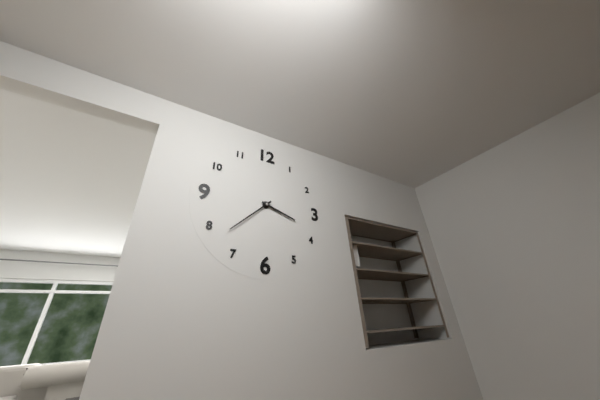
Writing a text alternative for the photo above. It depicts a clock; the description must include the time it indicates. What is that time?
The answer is 3:38
